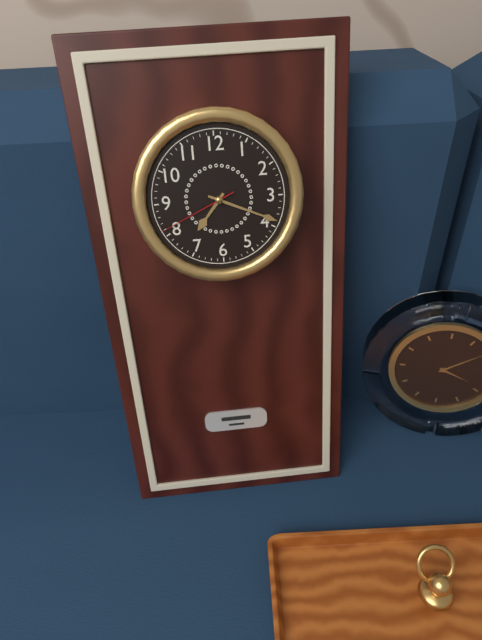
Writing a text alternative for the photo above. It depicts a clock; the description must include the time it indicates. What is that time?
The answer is 7:19:41
